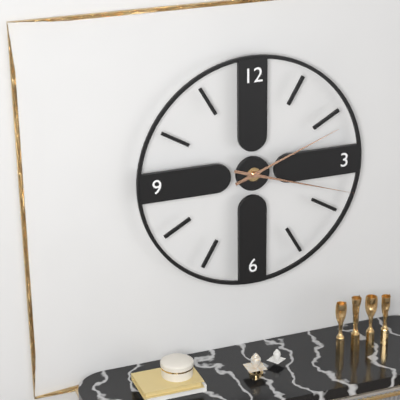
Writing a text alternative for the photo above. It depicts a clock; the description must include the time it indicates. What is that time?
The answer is 2:18
